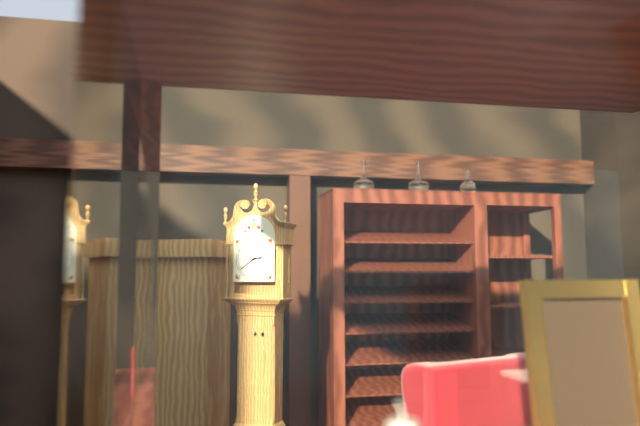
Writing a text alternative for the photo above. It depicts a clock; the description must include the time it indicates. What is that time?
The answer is 2:39
